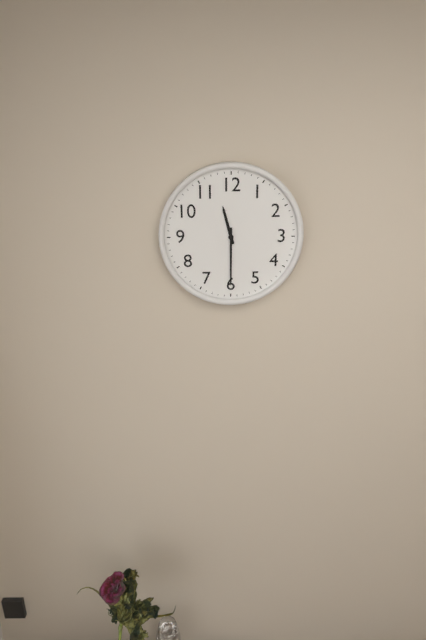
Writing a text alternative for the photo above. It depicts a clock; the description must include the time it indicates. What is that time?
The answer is 11:30
